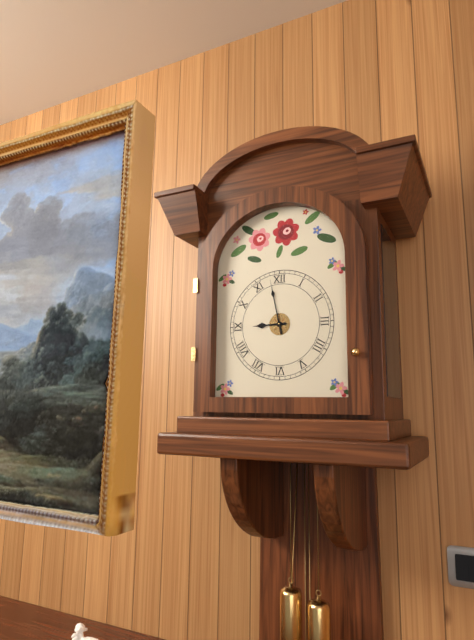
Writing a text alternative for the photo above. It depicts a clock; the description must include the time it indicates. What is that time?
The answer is 8:58
